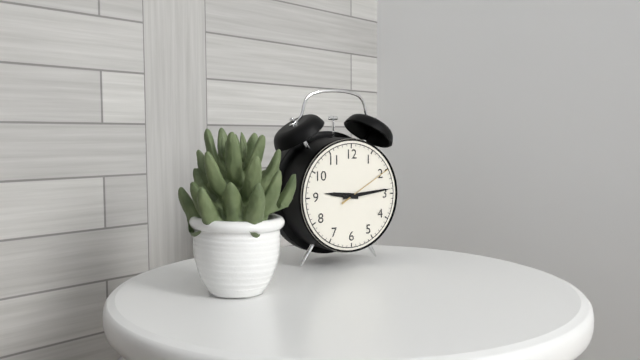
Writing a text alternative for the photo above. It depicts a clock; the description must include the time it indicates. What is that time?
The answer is 9:14:10
